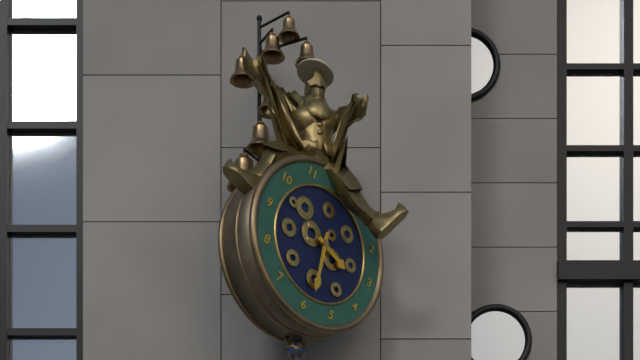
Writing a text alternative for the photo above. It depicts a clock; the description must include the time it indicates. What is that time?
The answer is 3:29
